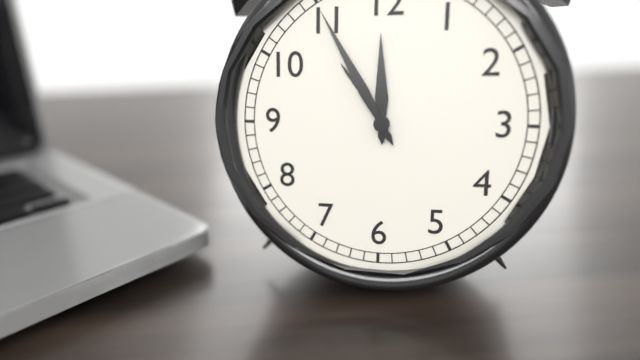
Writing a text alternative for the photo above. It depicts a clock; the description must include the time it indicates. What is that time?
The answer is 11:55
